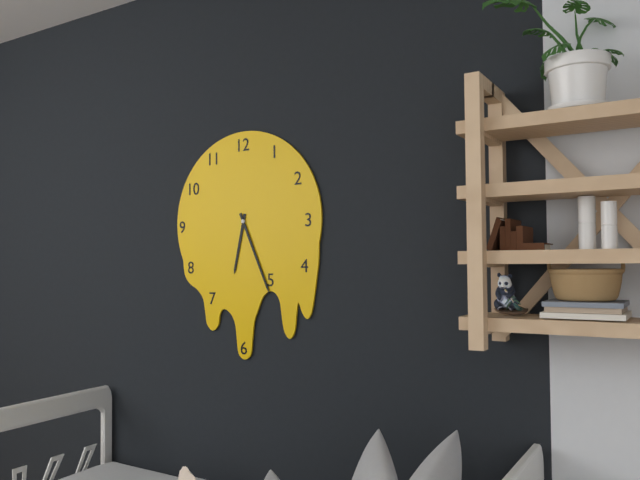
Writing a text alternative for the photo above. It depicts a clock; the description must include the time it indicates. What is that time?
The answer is 6:26
